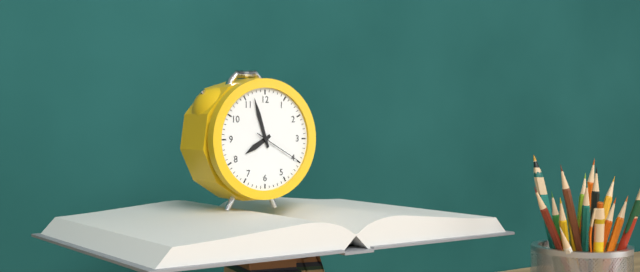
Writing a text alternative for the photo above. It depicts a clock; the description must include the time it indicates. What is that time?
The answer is 7:57
